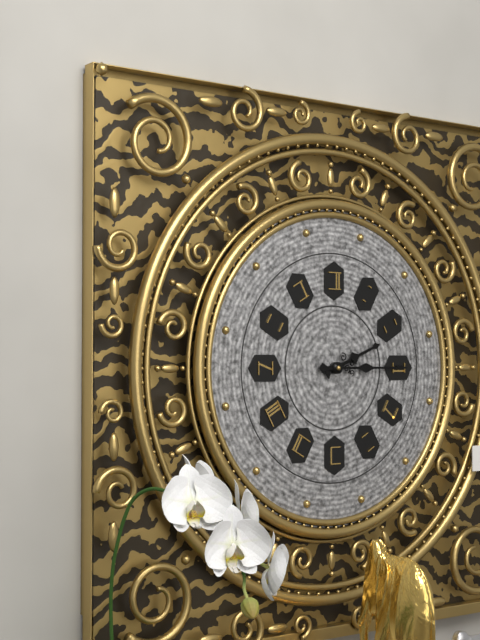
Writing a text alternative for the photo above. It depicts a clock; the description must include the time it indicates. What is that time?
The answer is 2:15
